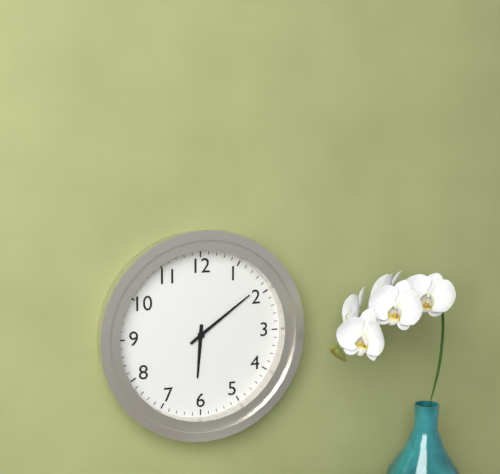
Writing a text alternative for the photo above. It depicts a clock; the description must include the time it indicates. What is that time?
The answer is 6:09
